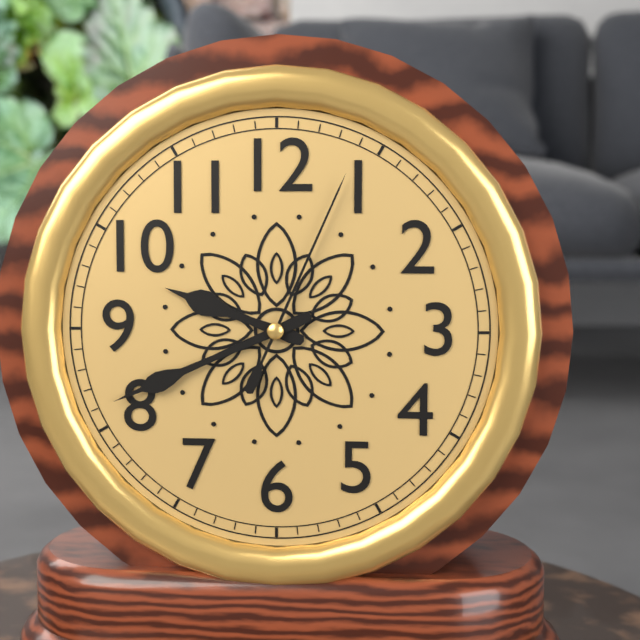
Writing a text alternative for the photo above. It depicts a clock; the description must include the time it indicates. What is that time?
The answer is 9:41:04
